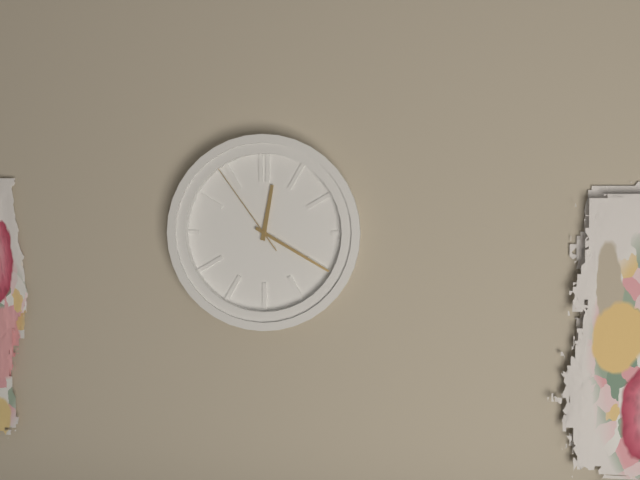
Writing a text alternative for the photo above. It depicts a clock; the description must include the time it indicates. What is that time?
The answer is 12:20:54
